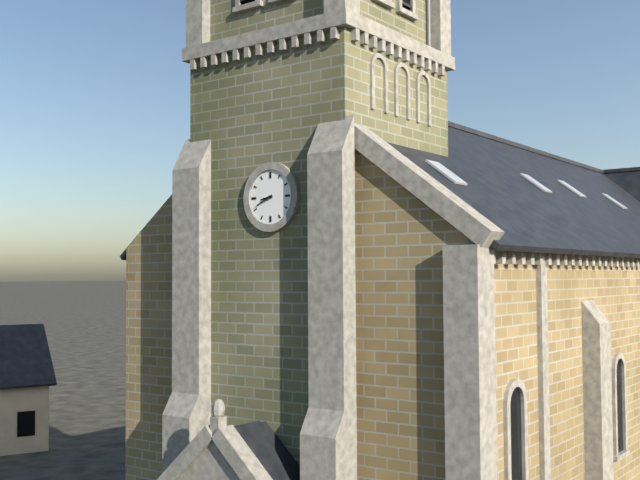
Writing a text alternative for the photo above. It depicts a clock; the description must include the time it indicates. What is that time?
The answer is 8:41
